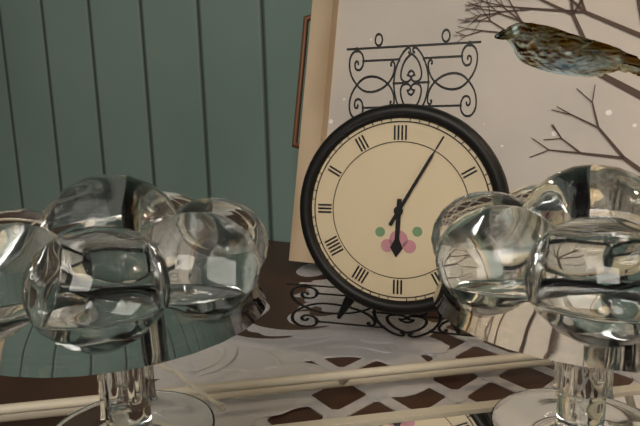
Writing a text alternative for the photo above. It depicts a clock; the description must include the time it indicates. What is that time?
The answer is 6:05
